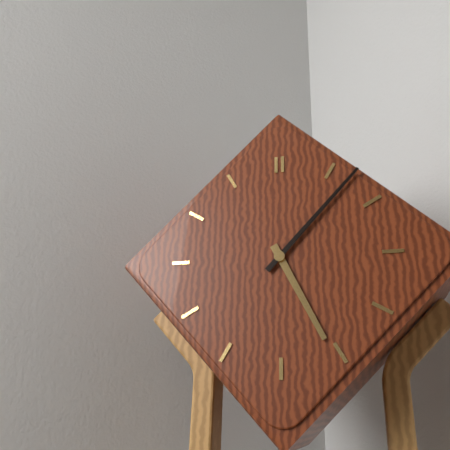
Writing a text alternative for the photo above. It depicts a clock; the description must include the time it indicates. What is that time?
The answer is 5:07
